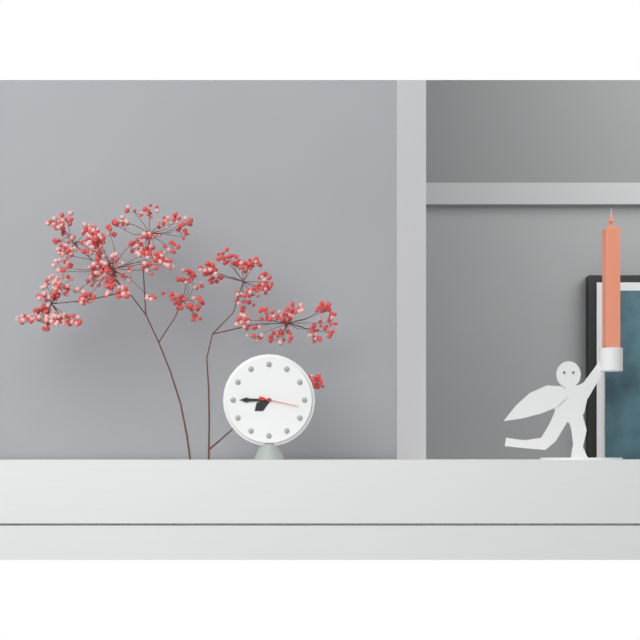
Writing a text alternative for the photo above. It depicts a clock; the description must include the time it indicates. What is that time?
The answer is 7:45
